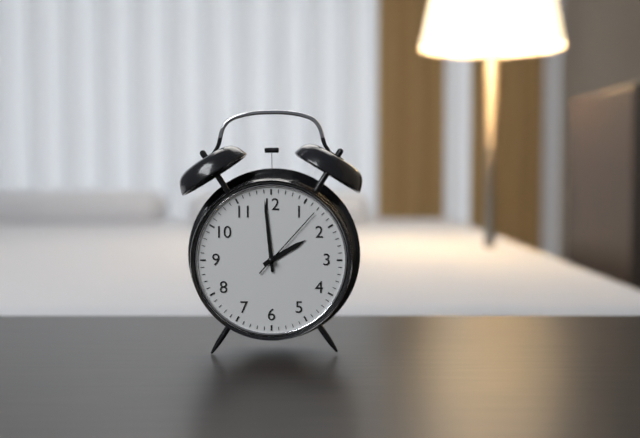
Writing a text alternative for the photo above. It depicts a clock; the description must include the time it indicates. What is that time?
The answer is 1:59:07
